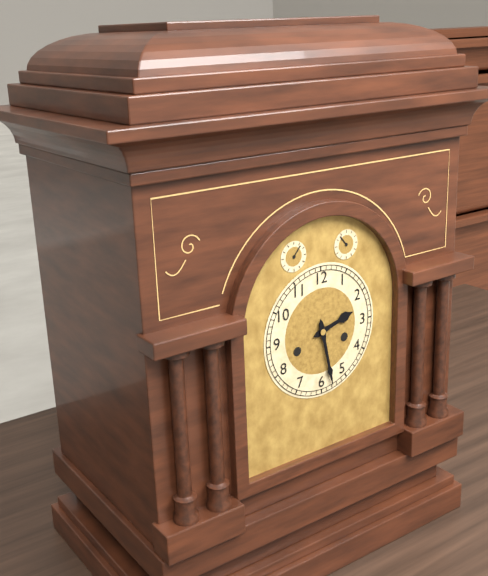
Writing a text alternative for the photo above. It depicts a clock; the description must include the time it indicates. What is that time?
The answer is 2:28
